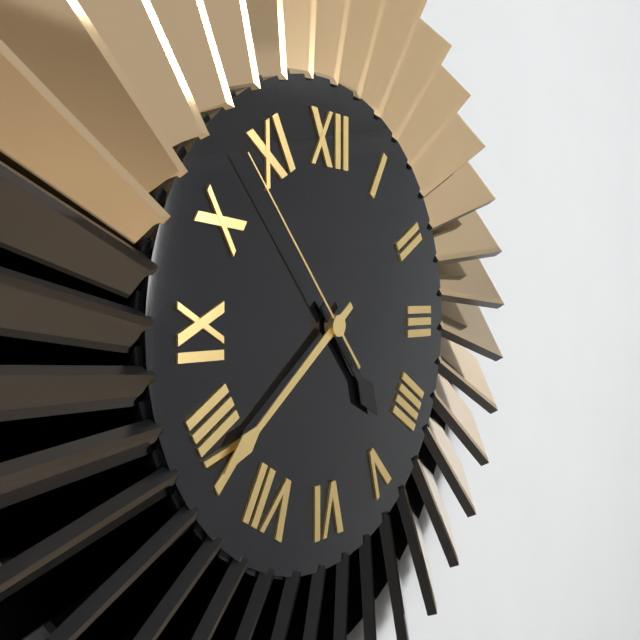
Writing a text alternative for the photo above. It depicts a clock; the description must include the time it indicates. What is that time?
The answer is 4:39:53
